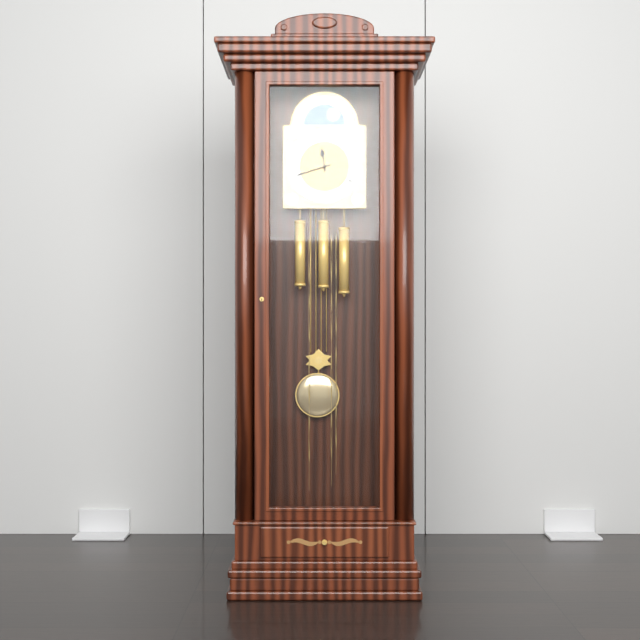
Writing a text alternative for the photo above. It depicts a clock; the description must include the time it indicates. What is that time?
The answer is 11:42
